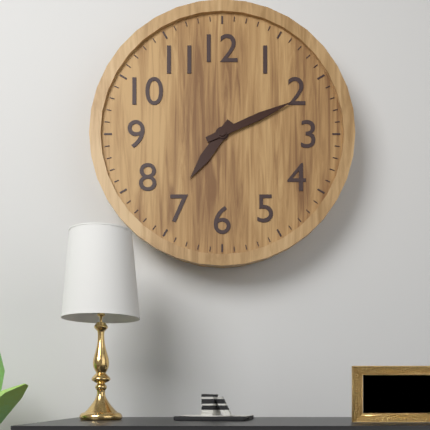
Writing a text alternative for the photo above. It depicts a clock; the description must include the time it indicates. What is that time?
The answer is 7:11
